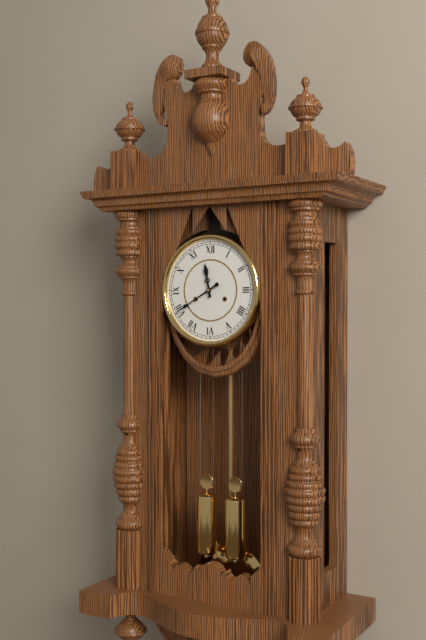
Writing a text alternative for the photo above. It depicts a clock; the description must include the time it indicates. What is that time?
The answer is 11:40
